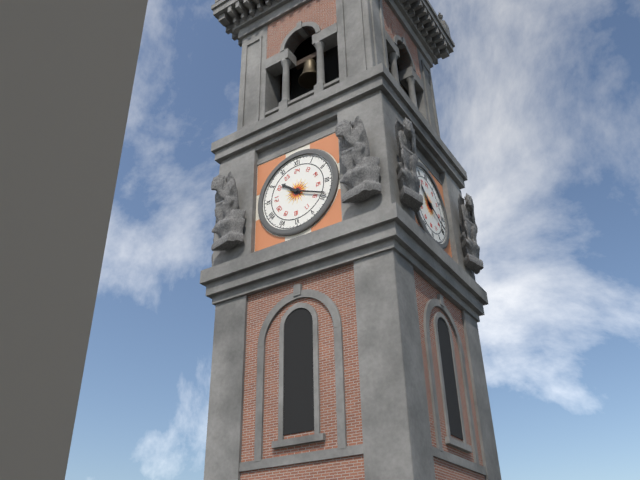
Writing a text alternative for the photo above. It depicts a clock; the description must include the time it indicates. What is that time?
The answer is 10:19
